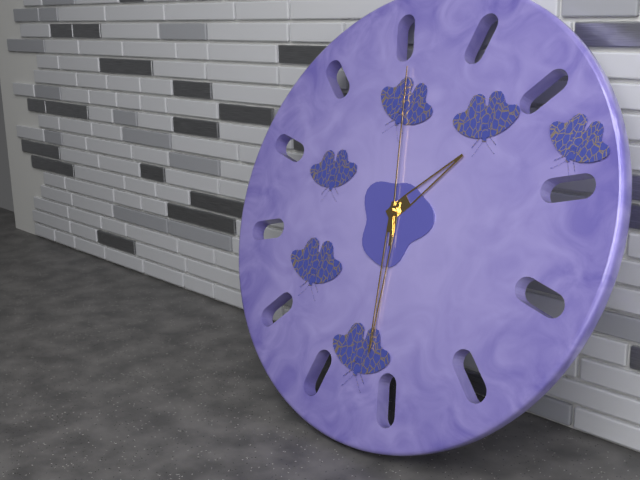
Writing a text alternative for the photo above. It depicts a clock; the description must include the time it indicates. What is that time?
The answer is 1:29:58
